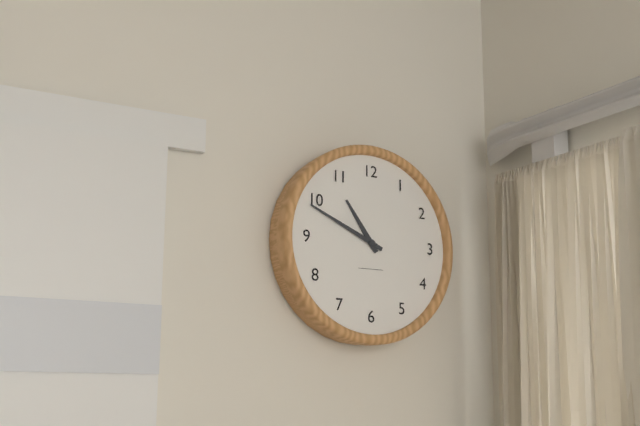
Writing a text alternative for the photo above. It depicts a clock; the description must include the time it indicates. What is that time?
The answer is 10:49
